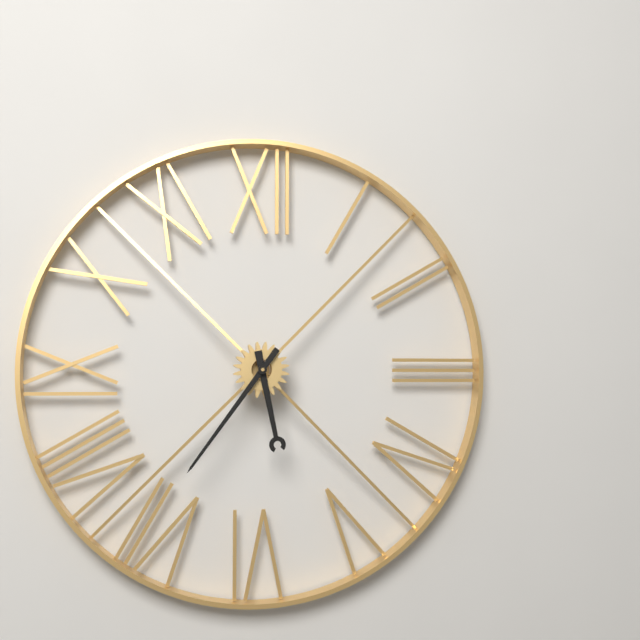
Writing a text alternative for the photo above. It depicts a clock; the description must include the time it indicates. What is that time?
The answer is 5:36
